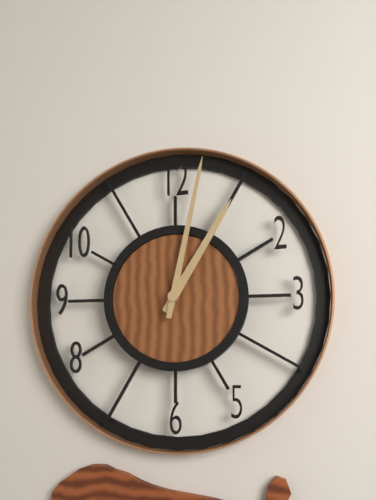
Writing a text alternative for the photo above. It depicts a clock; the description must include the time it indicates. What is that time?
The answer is 1:02
